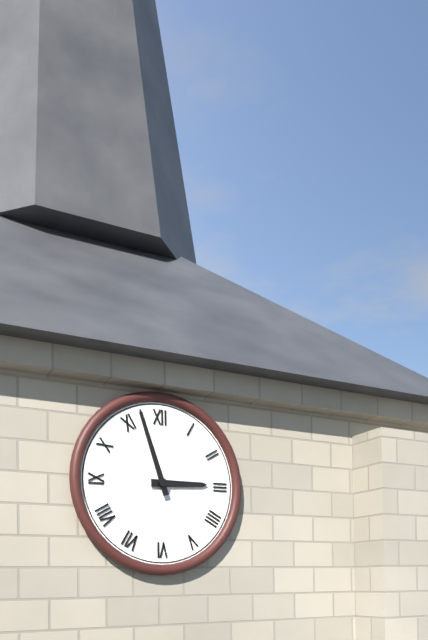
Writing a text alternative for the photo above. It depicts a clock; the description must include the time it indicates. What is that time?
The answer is 2:57
